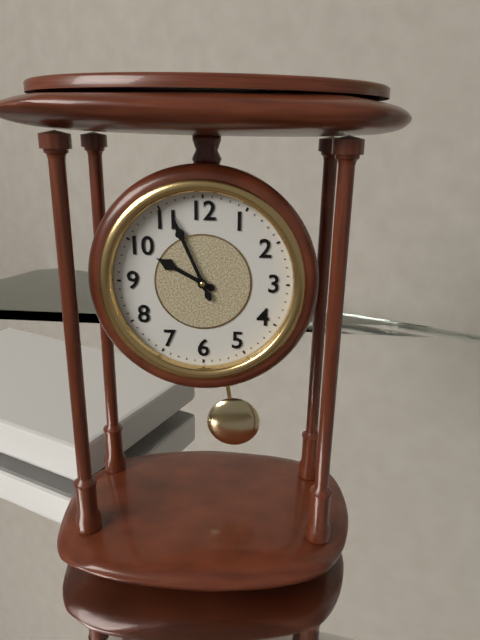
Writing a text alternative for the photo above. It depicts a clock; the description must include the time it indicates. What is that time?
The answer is 9:56
